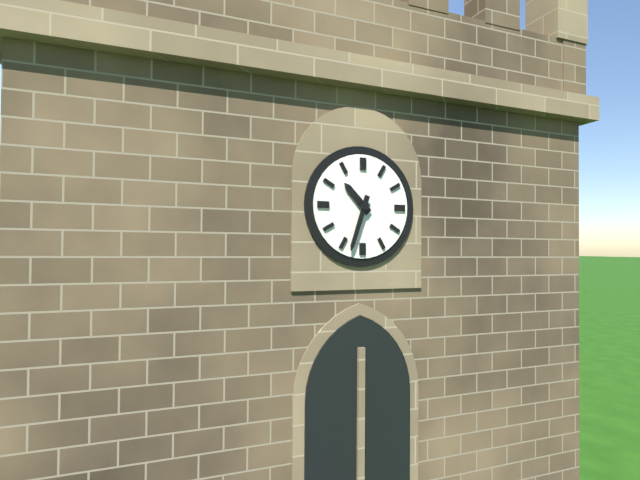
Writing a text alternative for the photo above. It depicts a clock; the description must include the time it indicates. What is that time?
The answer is 10:33
